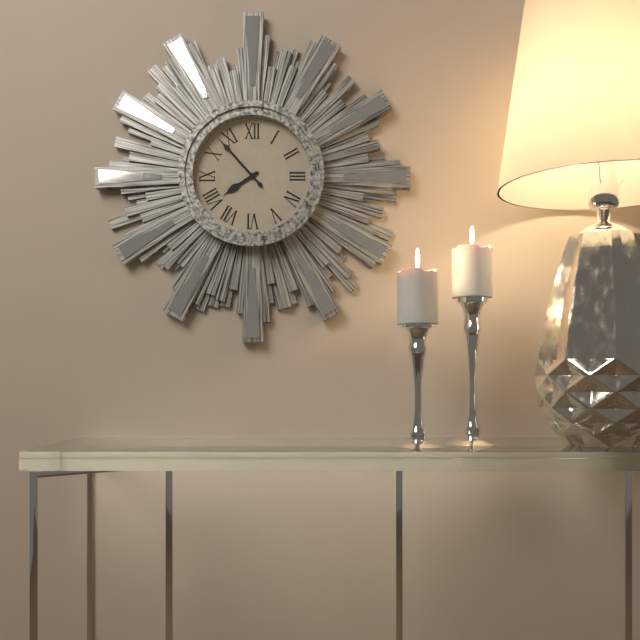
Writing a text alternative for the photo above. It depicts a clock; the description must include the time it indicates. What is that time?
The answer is 7:53
